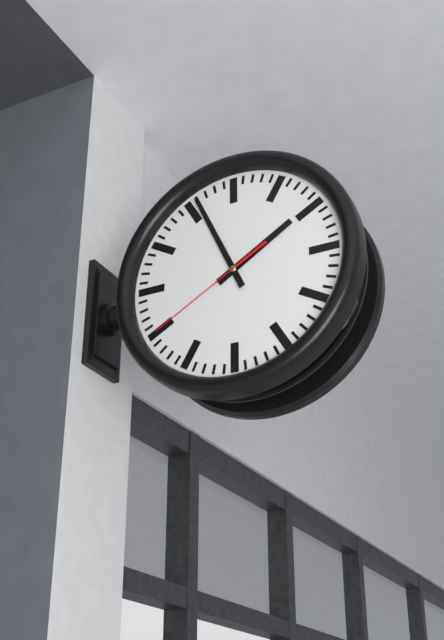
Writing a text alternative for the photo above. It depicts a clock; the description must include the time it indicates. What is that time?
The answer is 1:56:40
